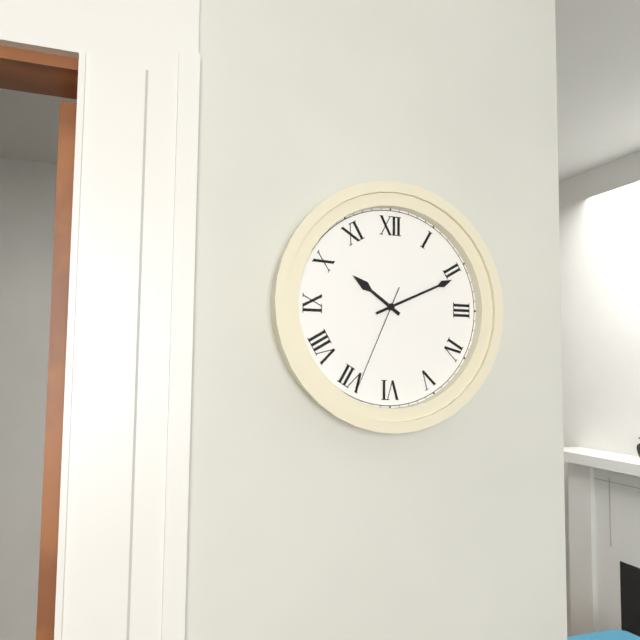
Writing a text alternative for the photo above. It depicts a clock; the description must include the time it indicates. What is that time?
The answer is 10:11:34
